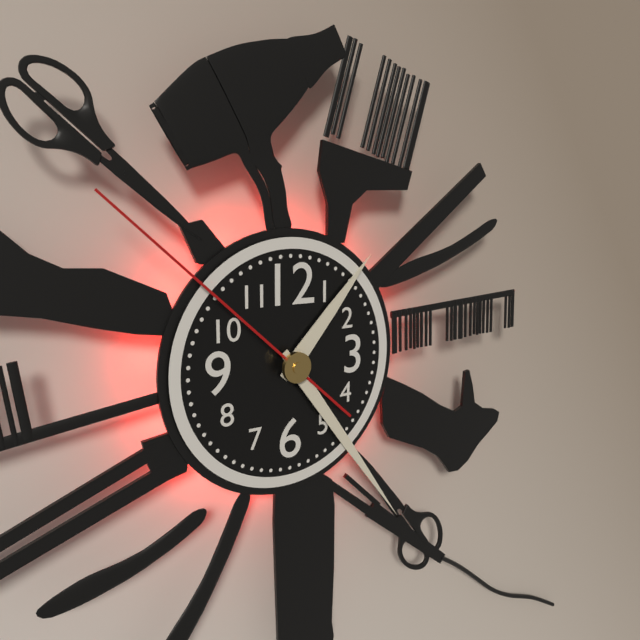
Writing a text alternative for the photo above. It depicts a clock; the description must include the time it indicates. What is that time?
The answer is 1:24:52
